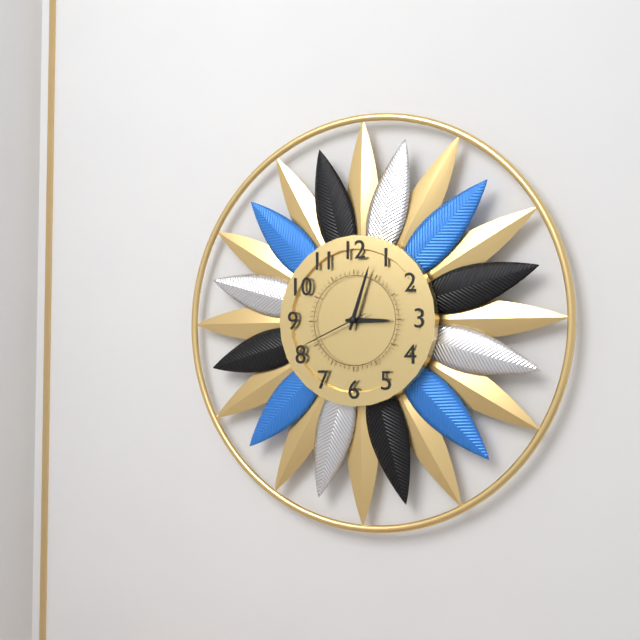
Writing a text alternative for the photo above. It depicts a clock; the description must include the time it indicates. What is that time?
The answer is 3:03:41
